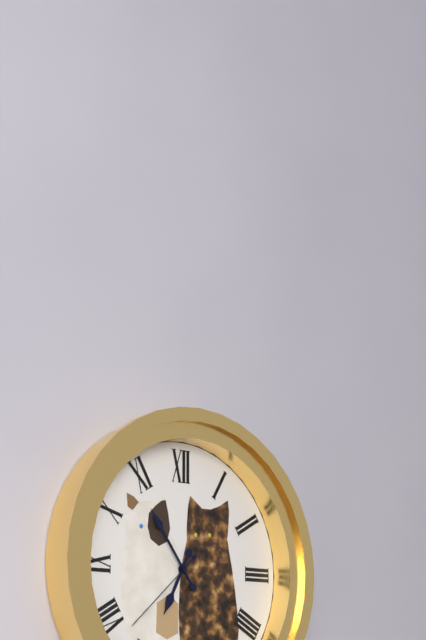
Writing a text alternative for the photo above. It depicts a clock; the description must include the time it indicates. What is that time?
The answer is 6:54:38
